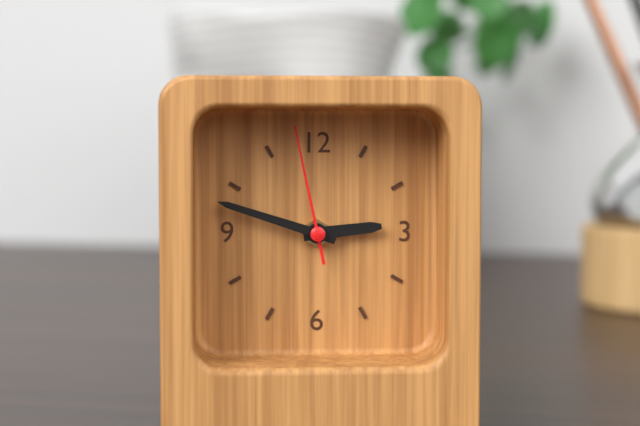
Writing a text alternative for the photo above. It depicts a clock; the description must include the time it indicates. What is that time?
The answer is 2:48:58
